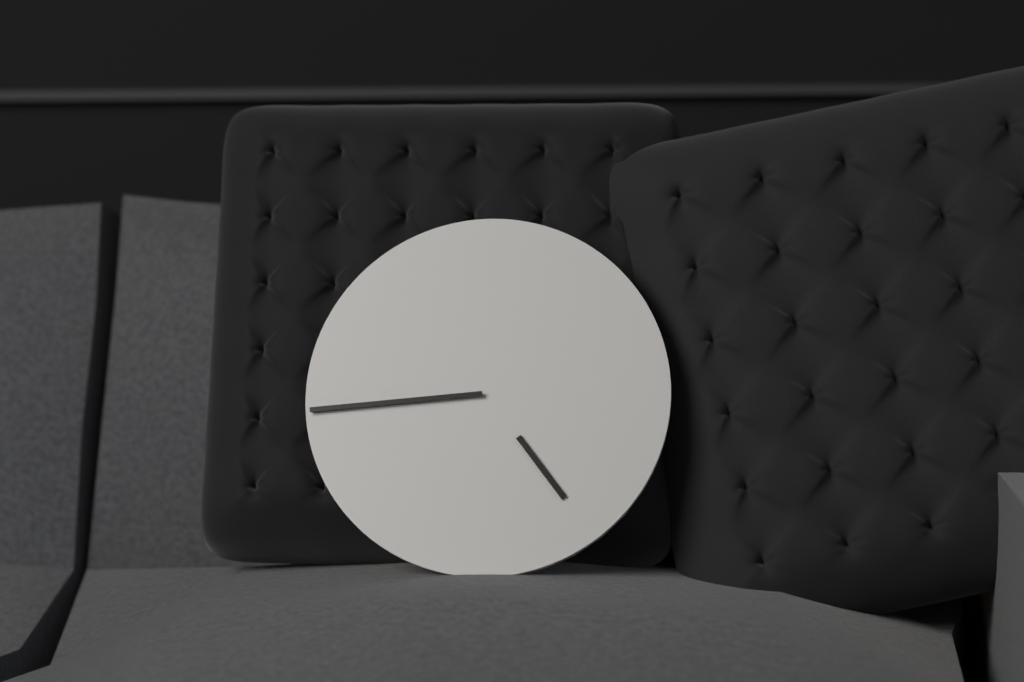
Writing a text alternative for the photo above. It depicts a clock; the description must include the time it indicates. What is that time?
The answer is 4:44
